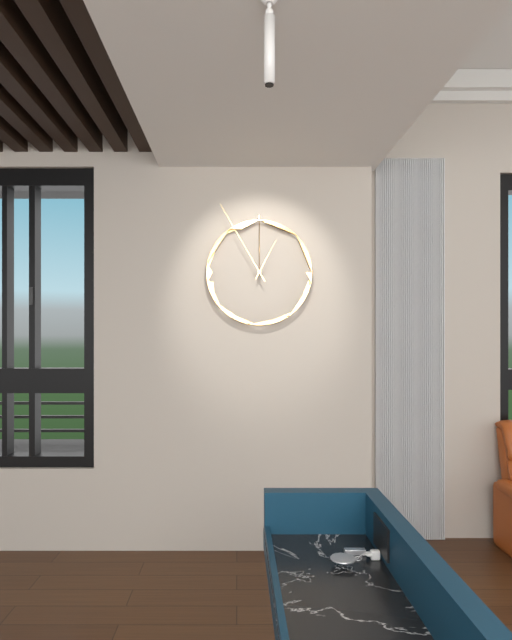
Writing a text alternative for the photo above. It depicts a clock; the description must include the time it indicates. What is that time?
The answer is 12:55
